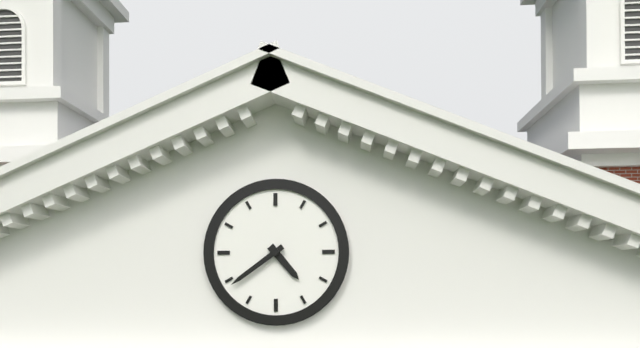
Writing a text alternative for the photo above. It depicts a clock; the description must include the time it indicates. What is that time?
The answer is 4:39
